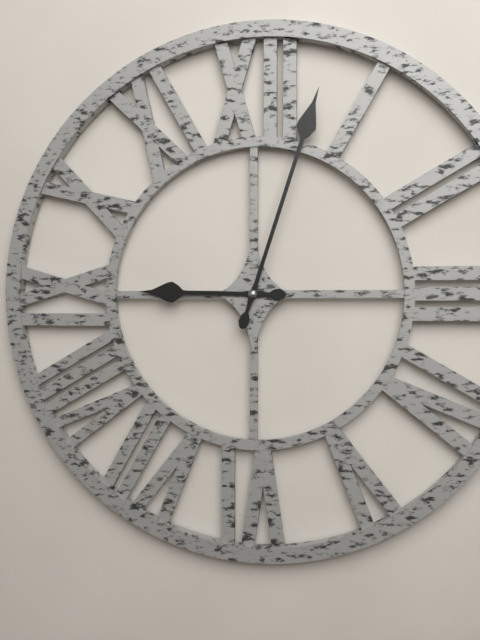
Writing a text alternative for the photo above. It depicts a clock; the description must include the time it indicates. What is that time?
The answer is 9:03
